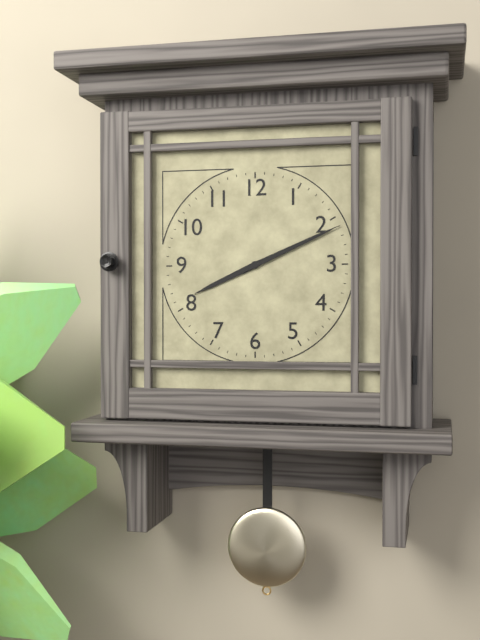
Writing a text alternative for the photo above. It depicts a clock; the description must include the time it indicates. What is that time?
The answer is 8:11
